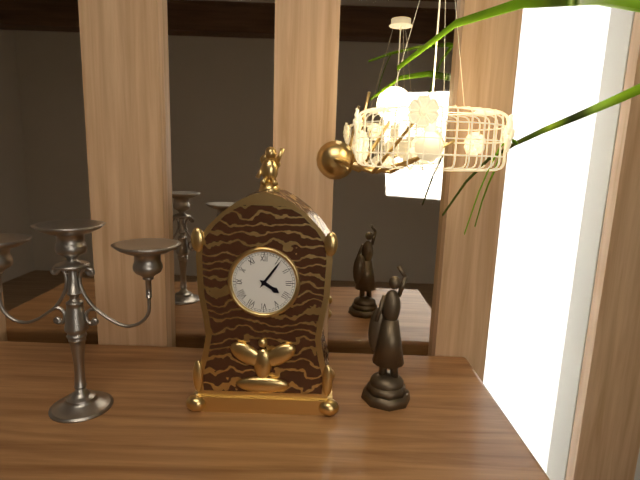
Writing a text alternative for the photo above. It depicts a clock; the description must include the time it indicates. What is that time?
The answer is 4:06
